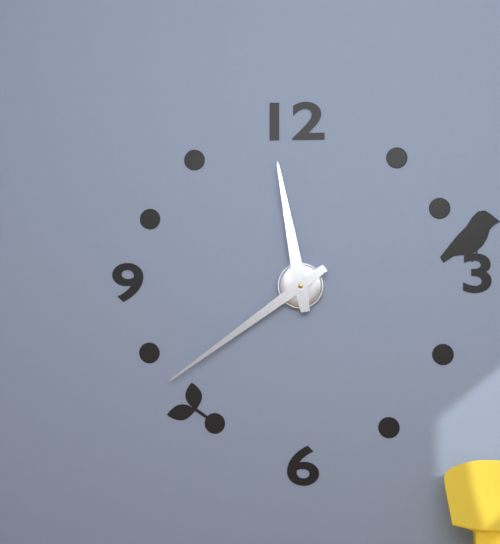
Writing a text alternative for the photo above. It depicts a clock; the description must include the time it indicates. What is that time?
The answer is 11:39
